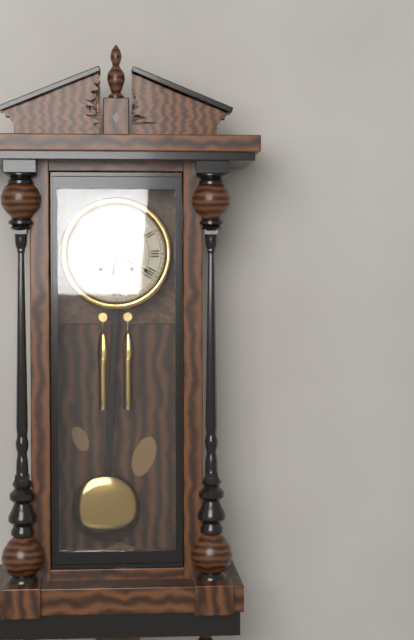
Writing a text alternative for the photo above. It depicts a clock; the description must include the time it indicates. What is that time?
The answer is 6:20
